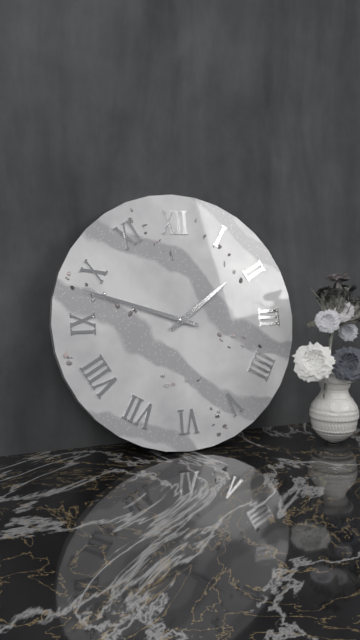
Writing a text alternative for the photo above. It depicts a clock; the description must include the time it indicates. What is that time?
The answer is 1:48
